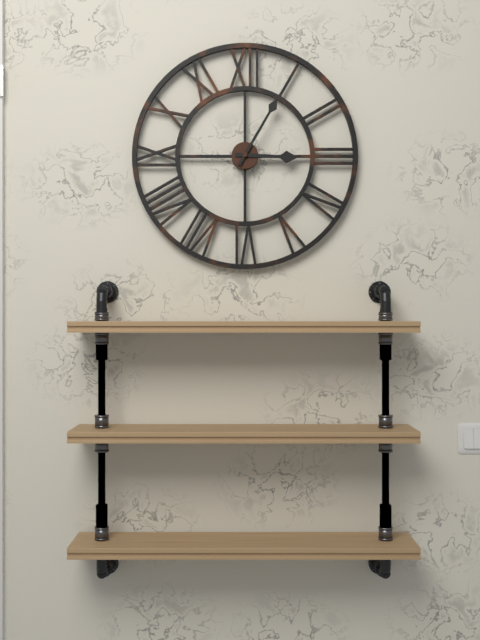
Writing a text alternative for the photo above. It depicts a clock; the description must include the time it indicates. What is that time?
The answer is 3:05
